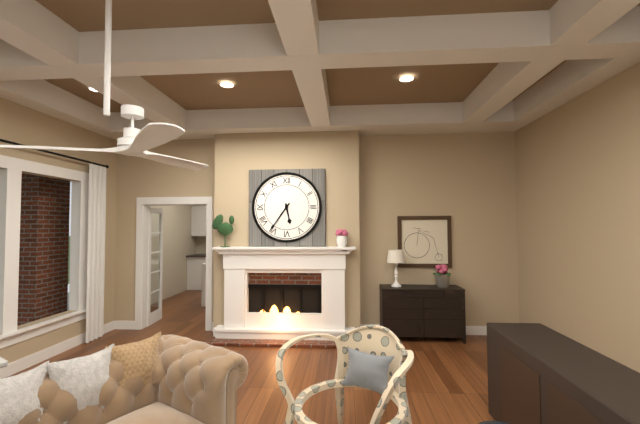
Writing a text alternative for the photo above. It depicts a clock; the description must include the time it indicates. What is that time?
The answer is 5:36
